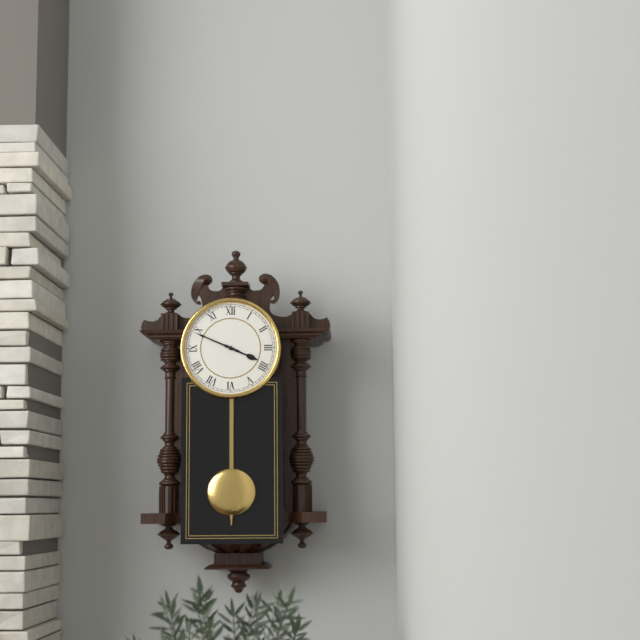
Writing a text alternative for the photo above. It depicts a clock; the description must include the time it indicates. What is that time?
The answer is 3:49
